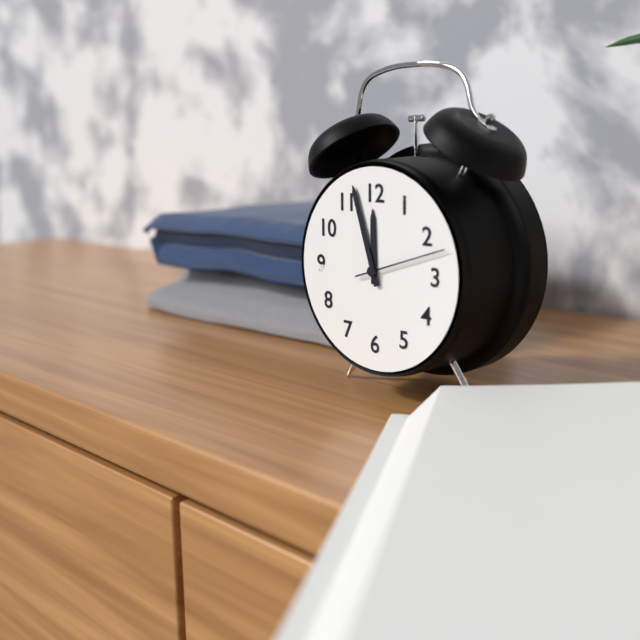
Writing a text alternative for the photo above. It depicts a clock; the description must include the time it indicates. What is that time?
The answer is 11:57:12
